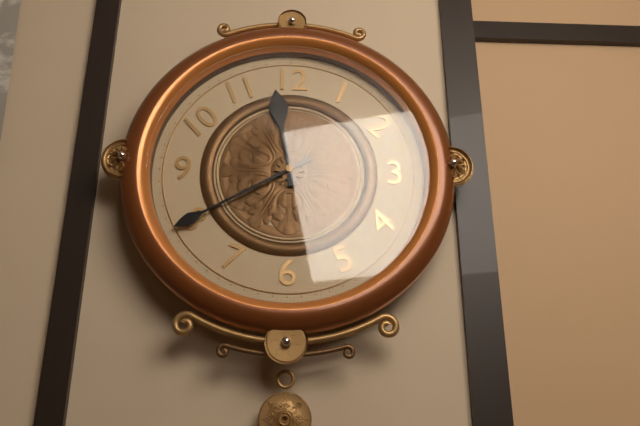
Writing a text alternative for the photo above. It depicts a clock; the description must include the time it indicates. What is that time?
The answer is 11:40
